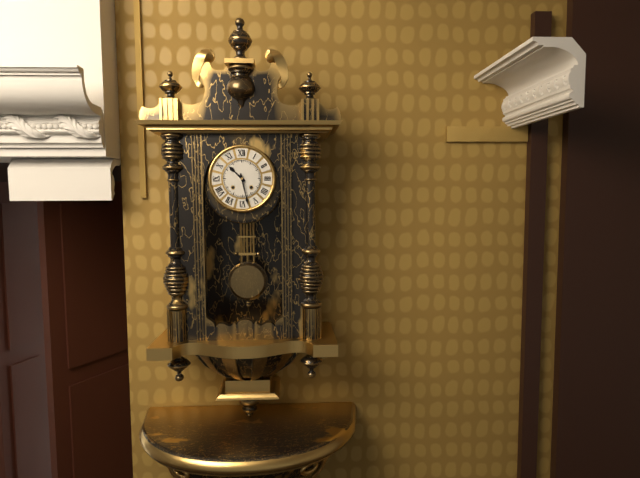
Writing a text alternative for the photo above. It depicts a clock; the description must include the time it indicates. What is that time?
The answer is 10:28
